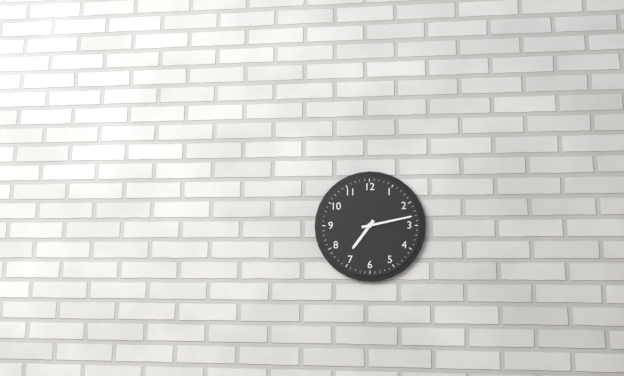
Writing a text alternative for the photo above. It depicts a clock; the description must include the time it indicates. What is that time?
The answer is 7:13
